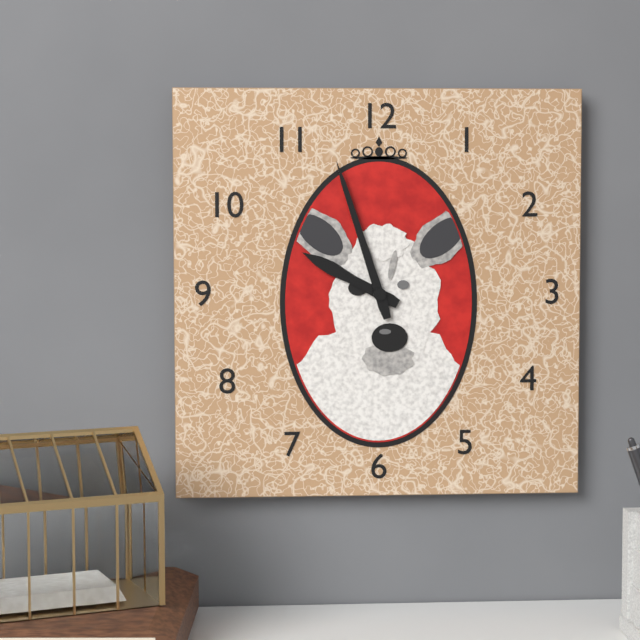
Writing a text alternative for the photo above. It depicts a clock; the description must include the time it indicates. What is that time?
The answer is 9:57
